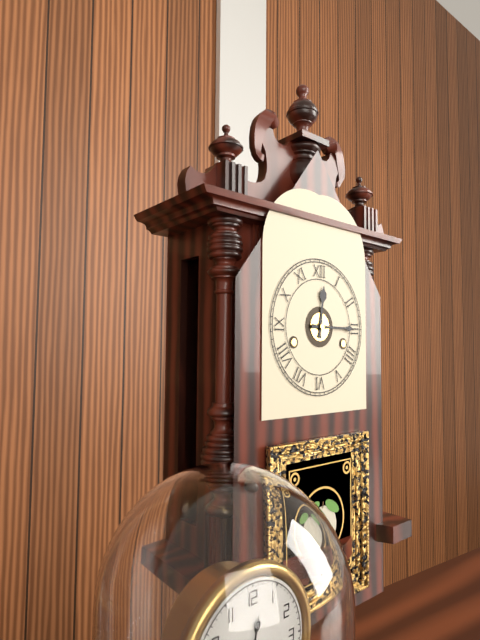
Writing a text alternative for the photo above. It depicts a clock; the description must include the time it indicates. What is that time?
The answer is 12:15
